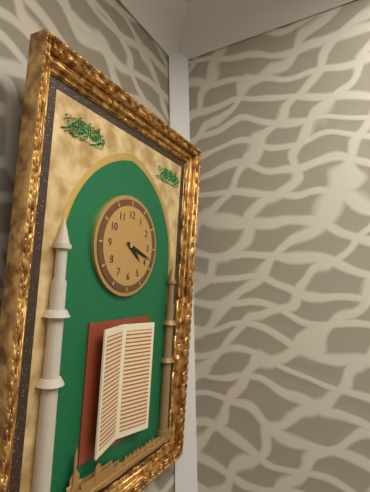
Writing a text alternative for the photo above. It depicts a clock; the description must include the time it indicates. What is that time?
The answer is 4:18
